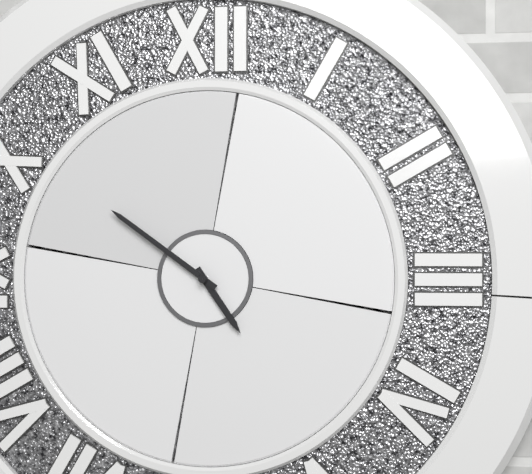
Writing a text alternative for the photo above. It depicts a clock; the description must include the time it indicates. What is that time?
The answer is 4:51
